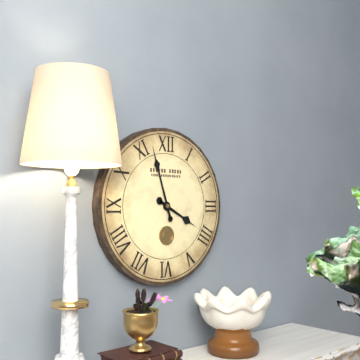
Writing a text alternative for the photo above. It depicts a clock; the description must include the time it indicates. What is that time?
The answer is 3:57
